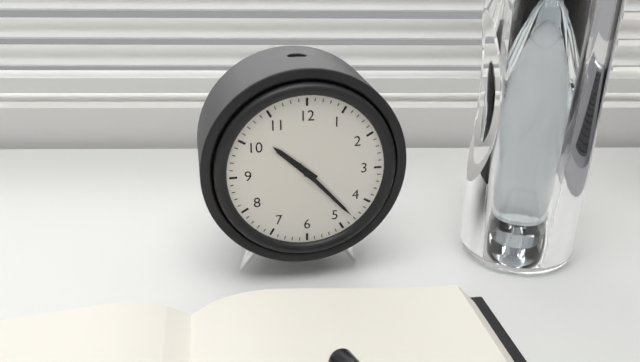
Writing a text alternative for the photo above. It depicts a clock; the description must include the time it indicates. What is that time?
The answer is 10:23
